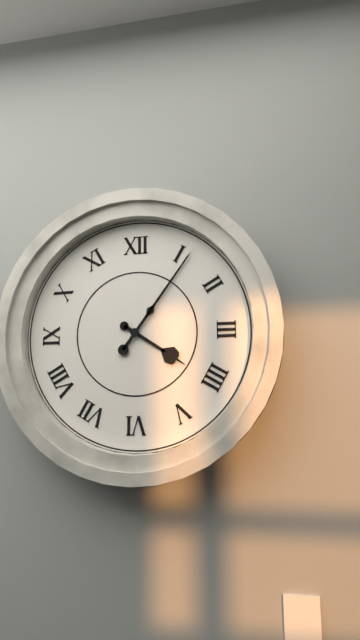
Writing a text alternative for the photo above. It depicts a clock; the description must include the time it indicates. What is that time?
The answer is 4:06
